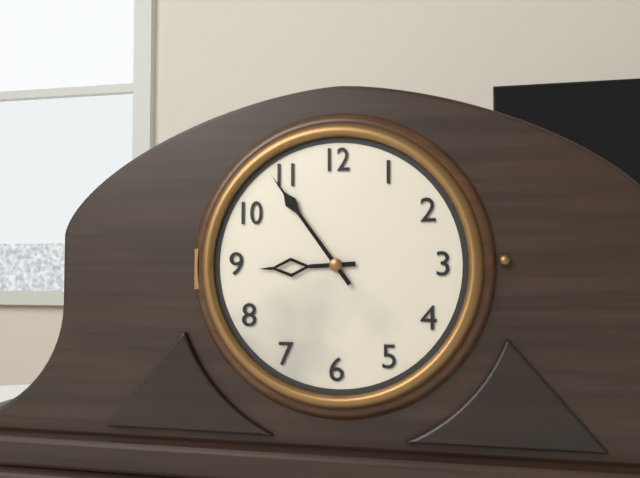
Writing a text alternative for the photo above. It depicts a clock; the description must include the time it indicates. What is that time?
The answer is 8:54
